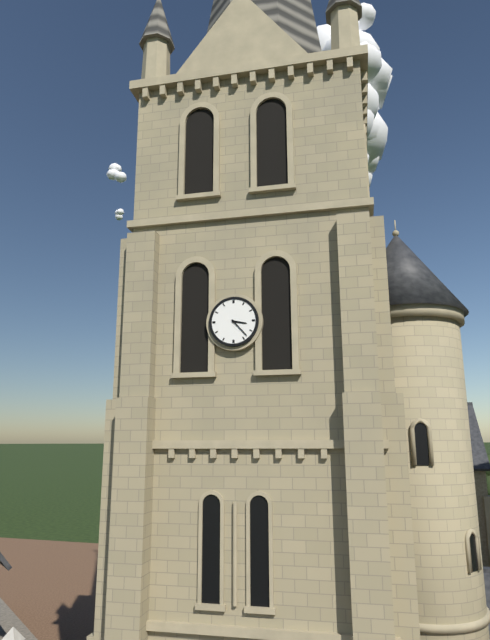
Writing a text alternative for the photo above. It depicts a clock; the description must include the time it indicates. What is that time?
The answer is 3:23
